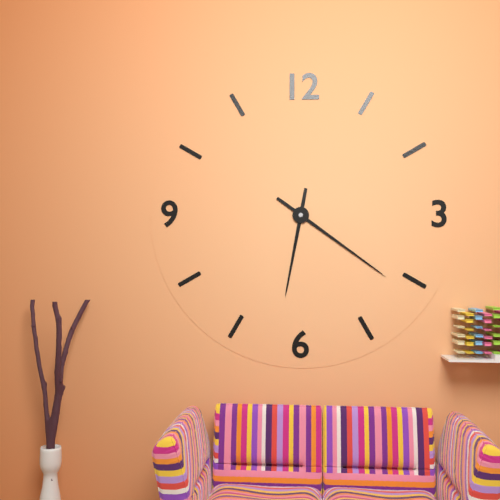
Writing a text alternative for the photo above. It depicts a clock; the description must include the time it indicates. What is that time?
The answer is 6:21
